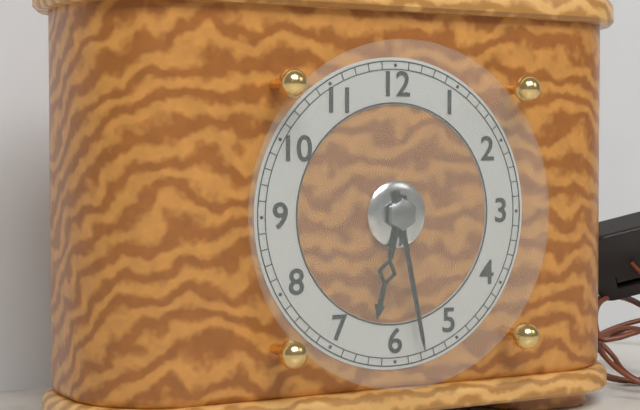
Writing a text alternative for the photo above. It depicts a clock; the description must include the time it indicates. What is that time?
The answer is 6:28
